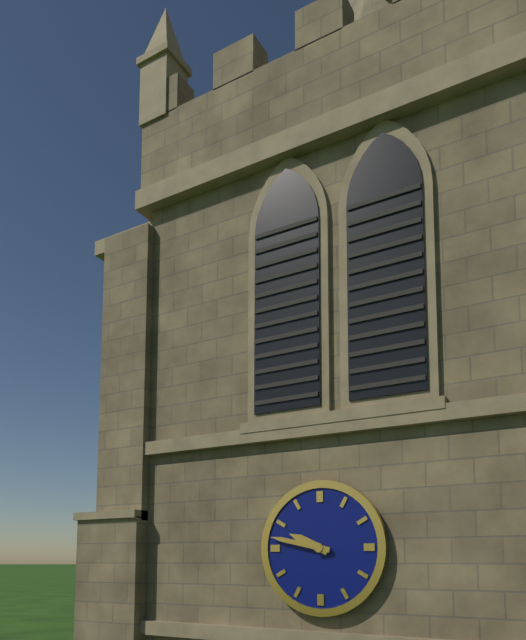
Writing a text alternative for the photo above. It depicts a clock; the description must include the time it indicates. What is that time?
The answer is 9:47
